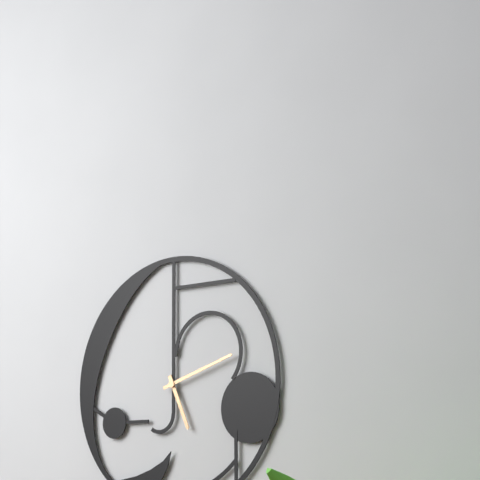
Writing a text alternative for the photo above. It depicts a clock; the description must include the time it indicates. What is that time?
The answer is 5:12
